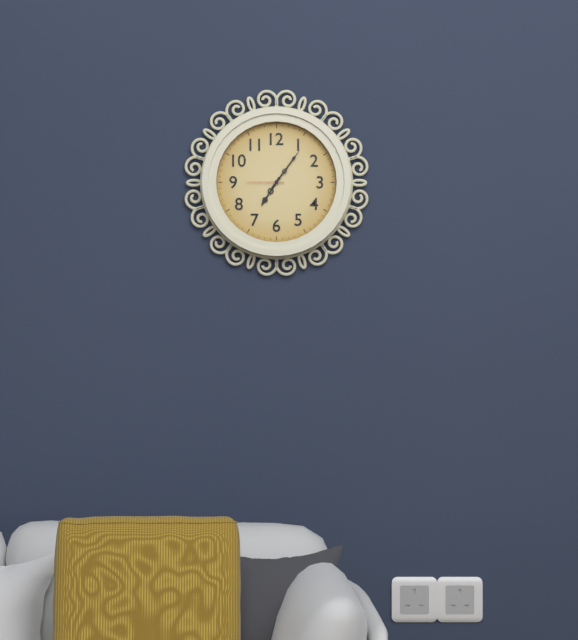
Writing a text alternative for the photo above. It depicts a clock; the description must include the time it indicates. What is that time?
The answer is 7:06
